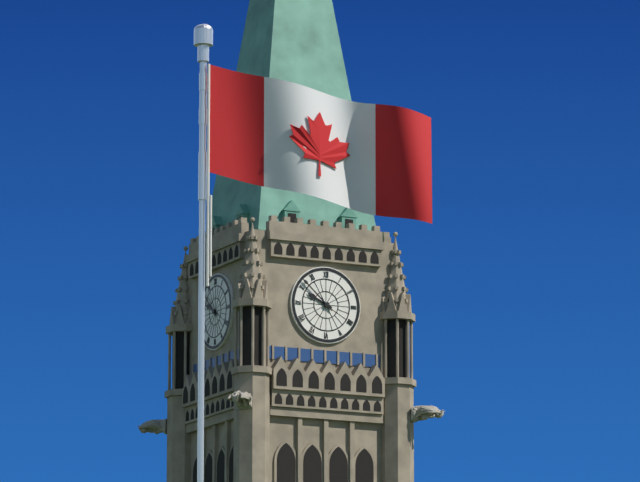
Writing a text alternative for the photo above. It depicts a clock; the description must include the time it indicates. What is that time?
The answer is 9:52
